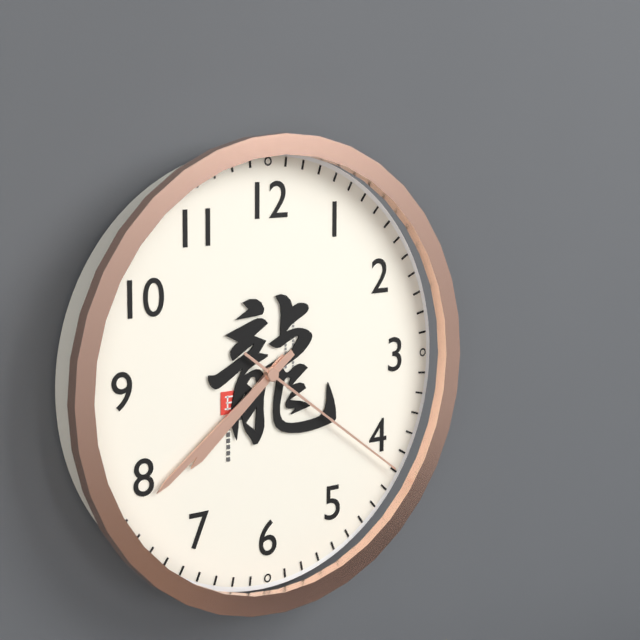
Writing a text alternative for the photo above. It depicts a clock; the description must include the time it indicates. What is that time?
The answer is 7:39:21
